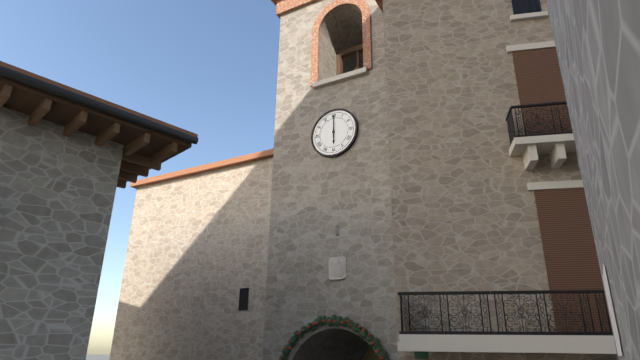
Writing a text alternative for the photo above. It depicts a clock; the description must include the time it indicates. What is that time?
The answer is 6:00
